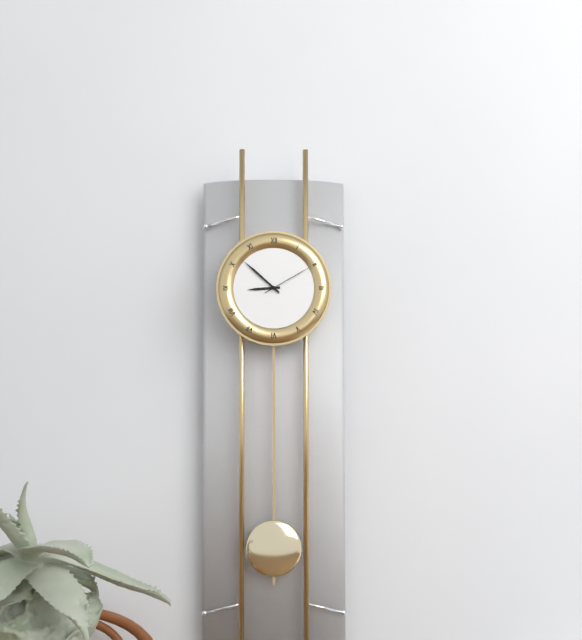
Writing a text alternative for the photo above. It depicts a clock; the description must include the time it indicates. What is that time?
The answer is 8:52:10
